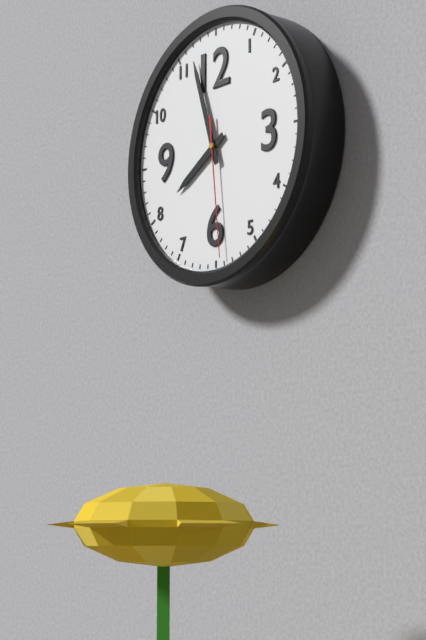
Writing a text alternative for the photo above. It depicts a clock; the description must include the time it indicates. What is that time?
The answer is 7:57:29
